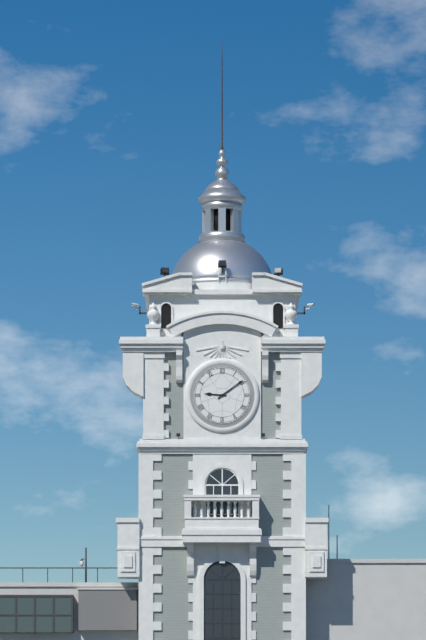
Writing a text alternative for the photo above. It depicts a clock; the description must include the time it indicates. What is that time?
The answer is 9:09
